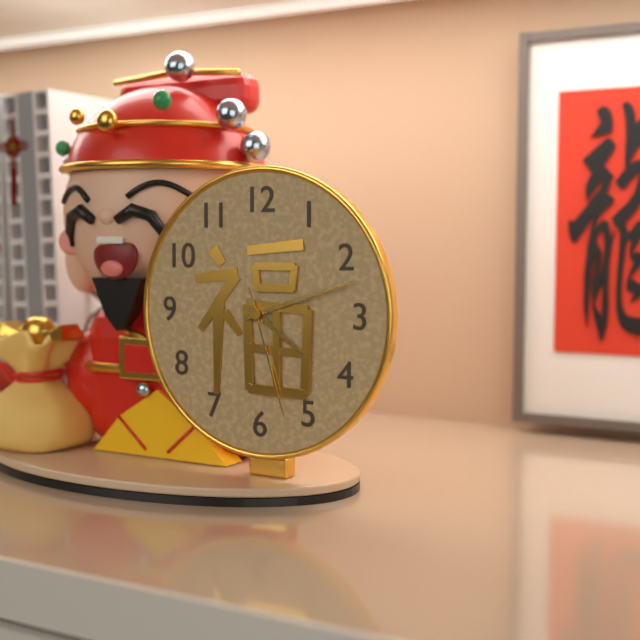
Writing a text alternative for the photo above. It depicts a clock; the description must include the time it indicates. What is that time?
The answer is 4:12:27
